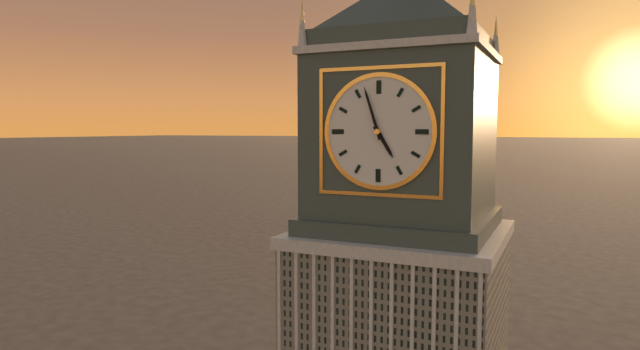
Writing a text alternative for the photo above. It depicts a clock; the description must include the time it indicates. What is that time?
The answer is 4:57
